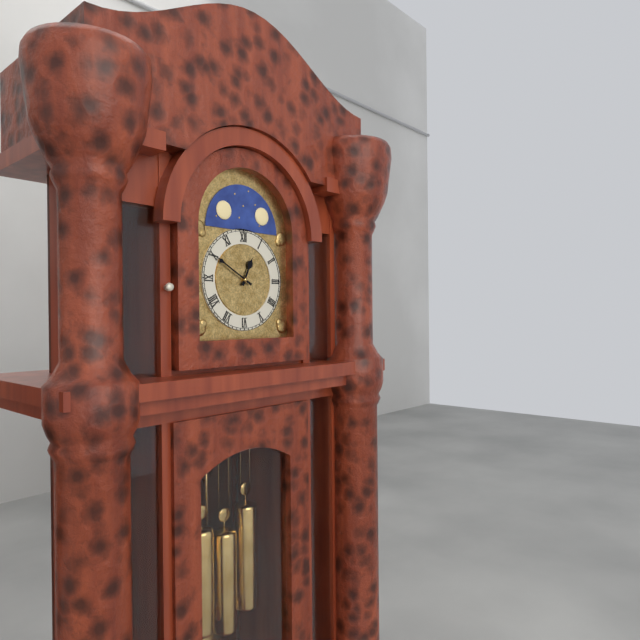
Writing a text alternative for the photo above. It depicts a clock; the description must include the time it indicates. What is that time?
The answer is 12:50
